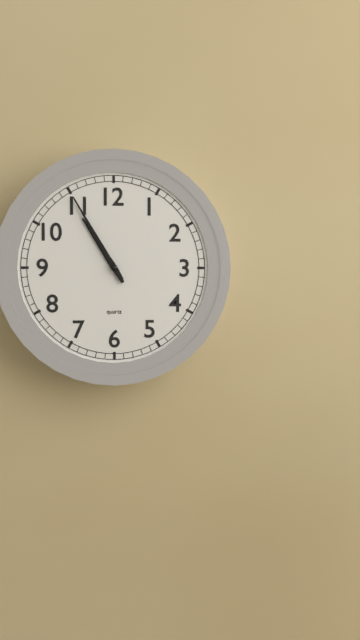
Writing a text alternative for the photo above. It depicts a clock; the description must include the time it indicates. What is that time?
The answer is 10:55
